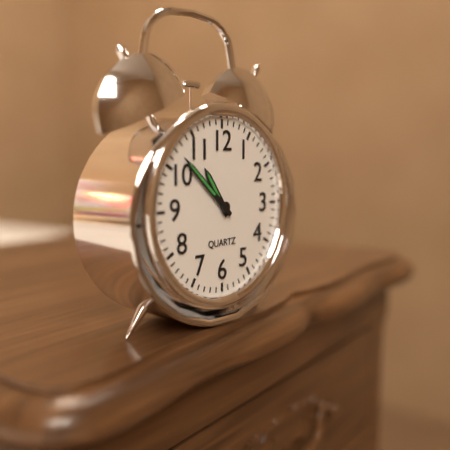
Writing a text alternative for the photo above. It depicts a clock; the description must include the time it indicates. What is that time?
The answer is 10:52
